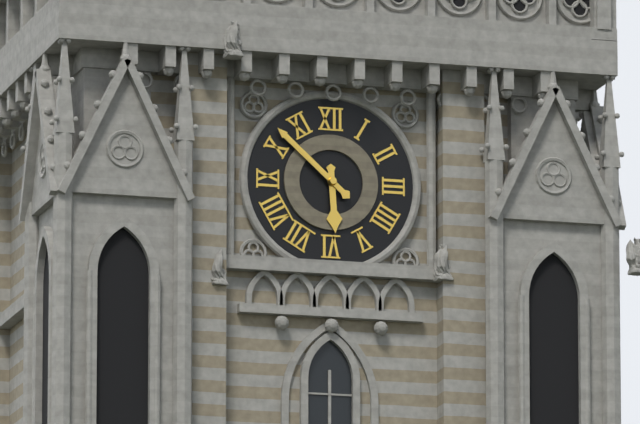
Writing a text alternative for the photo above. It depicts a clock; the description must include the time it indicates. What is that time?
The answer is 5:52
